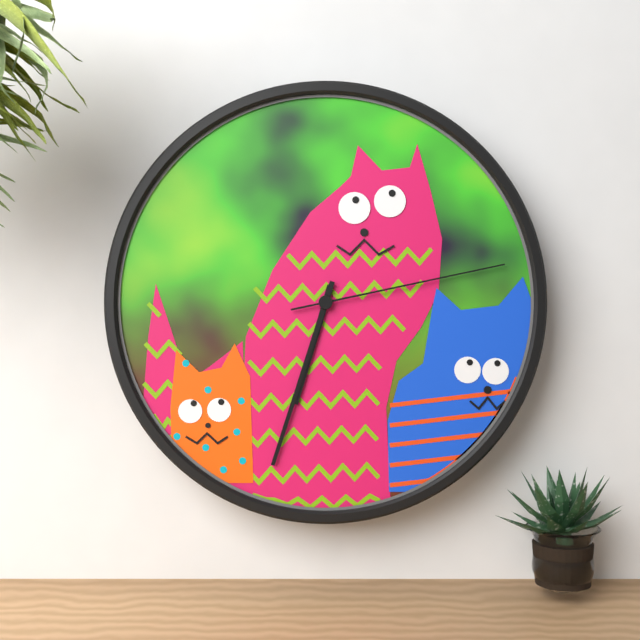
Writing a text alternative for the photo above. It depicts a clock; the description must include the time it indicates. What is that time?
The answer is 6:33:13
